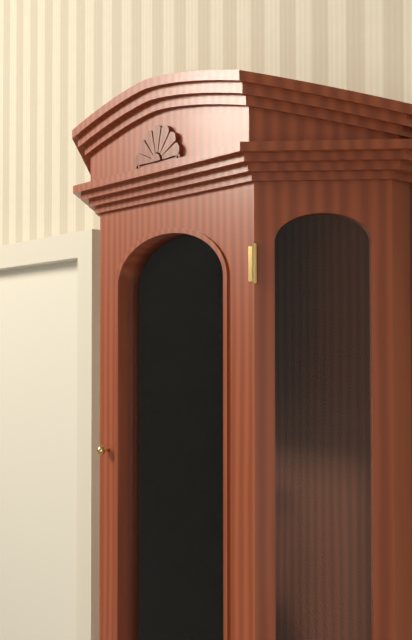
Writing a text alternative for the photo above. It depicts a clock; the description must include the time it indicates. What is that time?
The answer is 8:57
